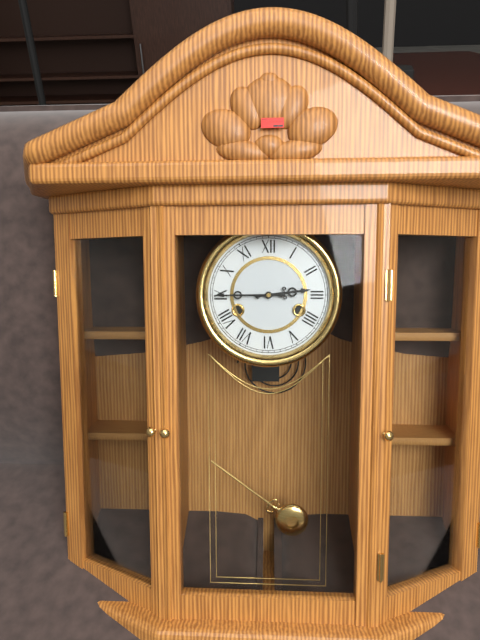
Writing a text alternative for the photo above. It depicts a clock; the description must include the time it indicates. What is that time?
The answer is 2:45
